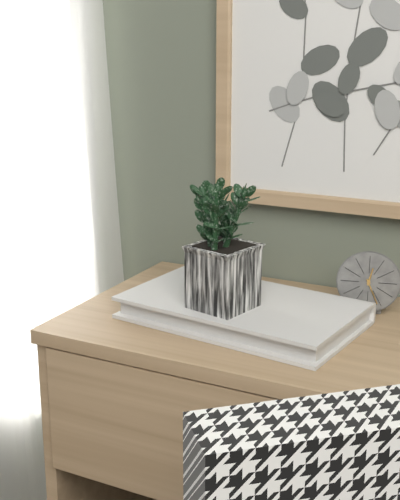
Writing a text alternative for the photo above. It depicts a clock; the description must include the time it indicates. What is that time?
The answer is 12:26
